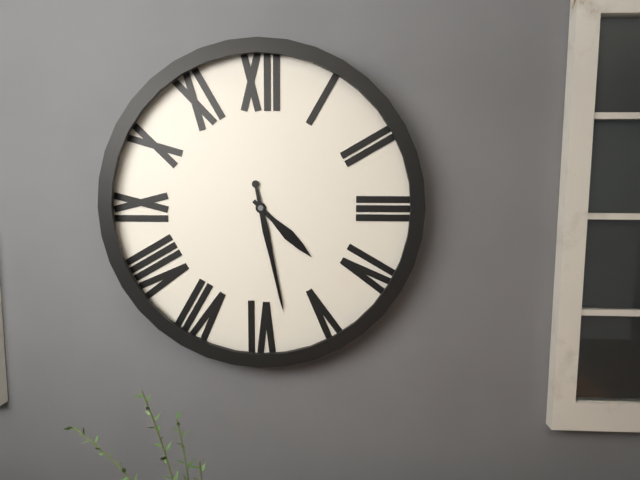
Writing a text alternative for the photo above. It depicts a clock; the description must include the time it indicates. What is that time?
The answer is 4:28
